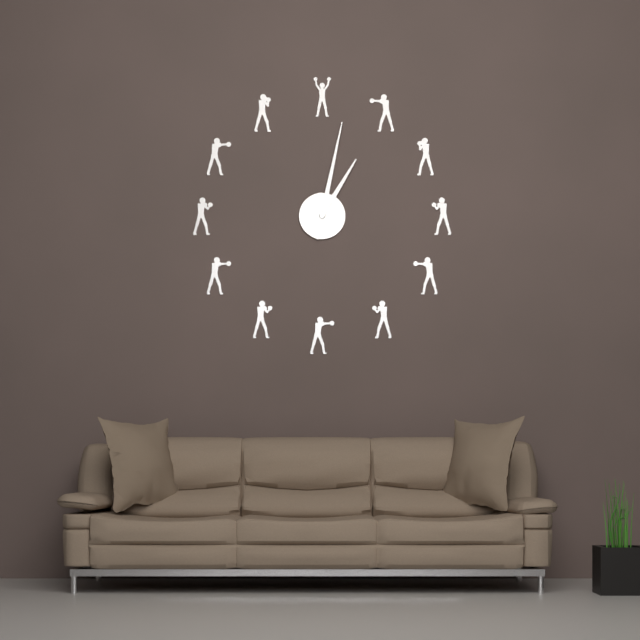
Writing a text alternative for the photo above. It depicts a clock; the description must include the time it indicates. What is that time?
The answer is 1:02
